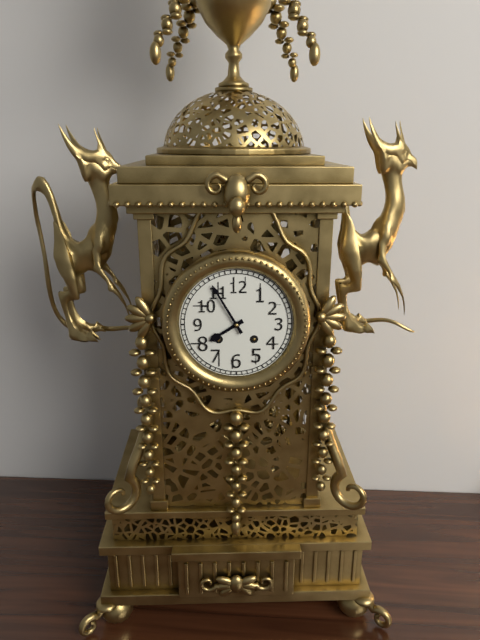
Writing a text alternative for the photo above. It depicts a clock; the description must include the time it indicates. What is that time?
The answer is 7:55
